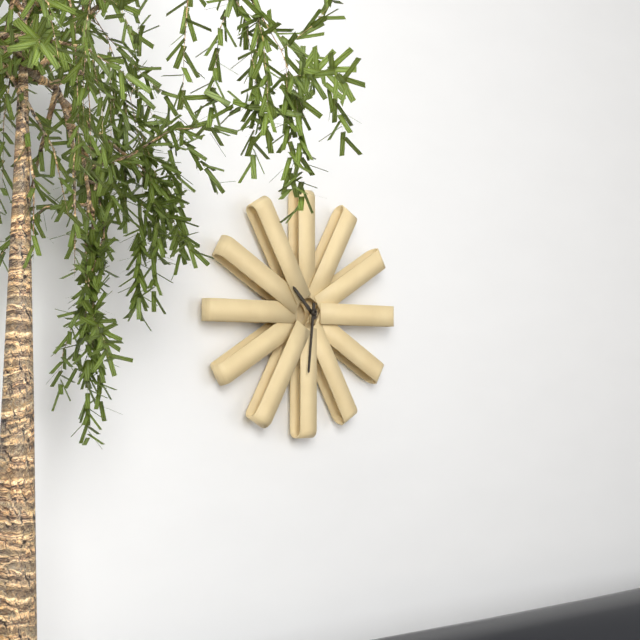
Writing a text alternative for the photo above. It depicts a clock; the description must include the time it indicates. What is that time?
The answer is 10:31
